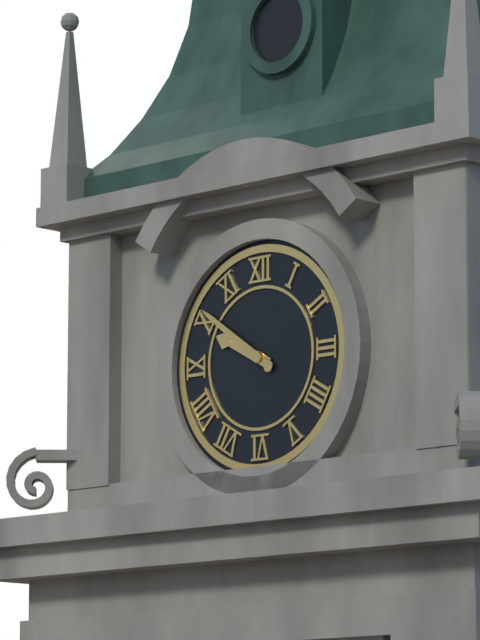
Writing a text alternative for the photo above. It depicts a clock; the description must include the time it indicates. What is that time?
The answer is 9:51
